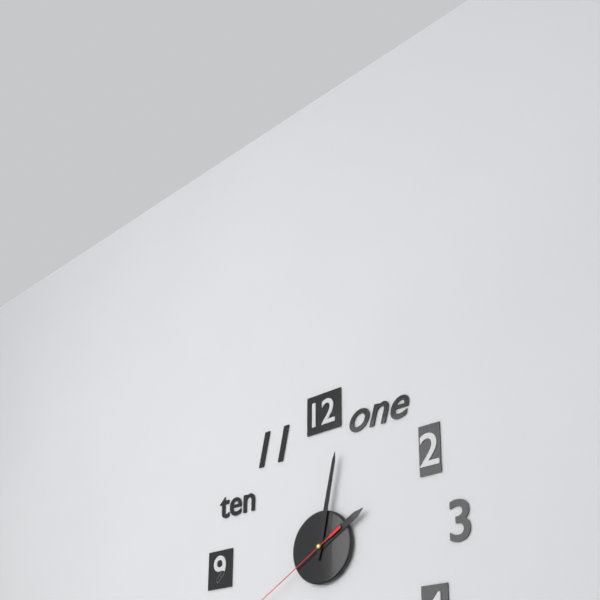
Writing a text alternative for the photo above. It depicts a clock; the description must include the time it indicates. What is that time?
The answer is 2:02
